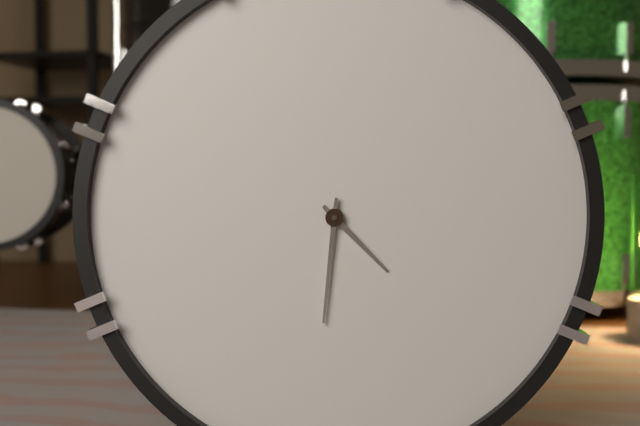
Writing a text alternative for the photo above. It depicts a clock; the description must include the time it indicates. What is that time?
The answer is 4:31
